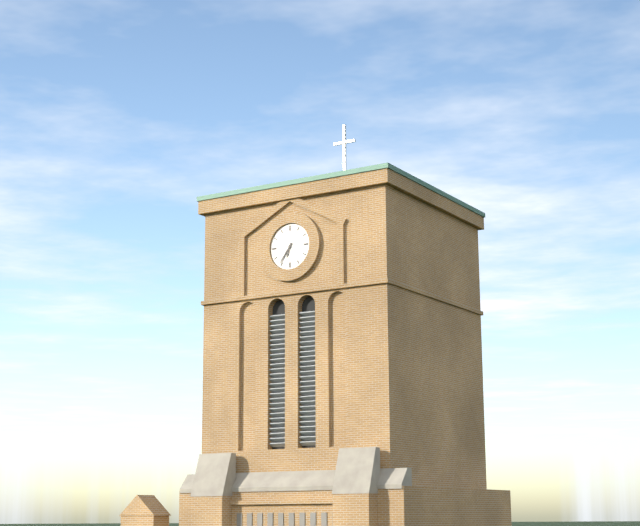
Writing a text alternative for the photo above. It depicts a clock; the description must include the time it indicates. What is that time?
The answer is 6:36
